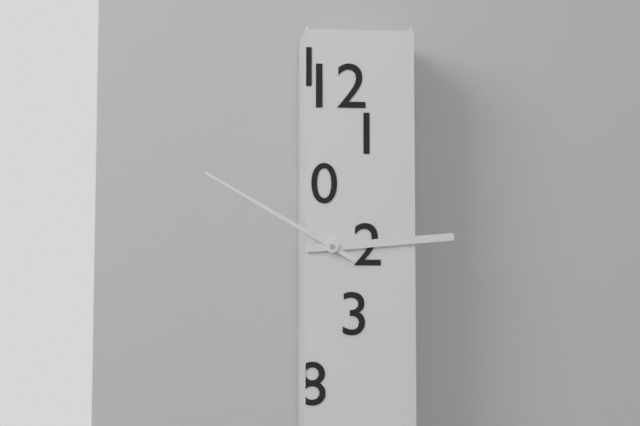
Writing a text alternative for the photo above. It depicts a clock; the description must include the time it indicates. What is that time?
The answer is 2:50
